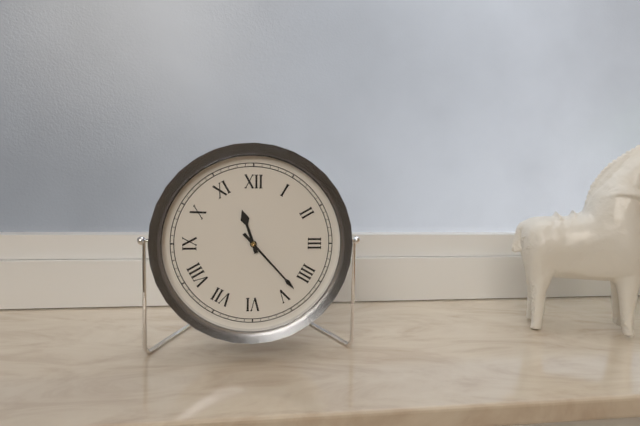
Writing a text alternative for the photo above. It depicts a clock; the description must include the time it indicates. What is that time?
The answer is 11:23
